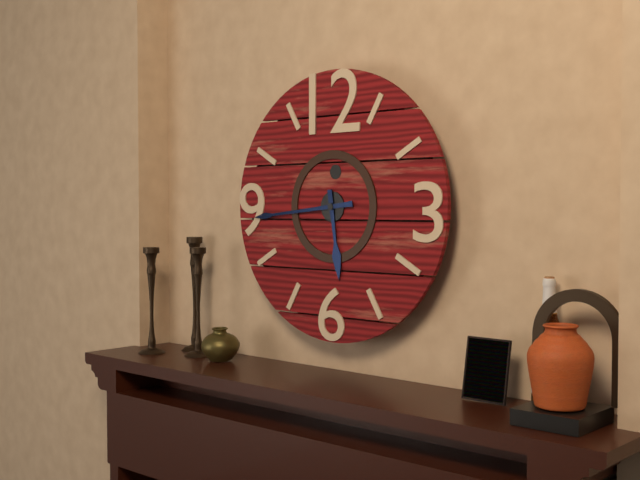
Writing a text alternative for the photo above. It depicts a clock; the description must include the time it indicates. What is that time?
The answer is 5:44
